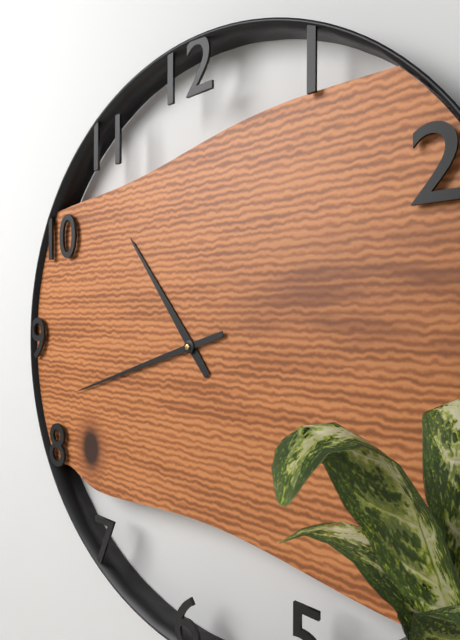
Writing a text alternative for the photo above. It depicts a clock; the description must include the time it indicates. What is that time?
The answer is 10:42
